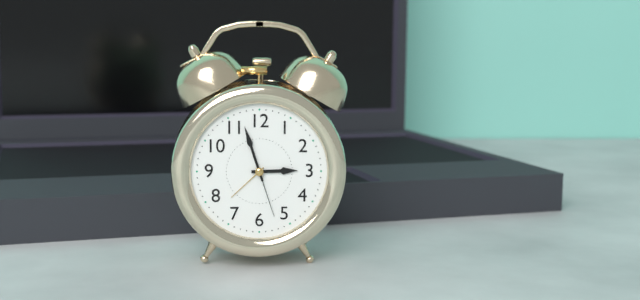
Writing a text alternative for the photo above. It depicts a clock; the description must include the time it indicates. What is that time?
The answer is 2:57:27
